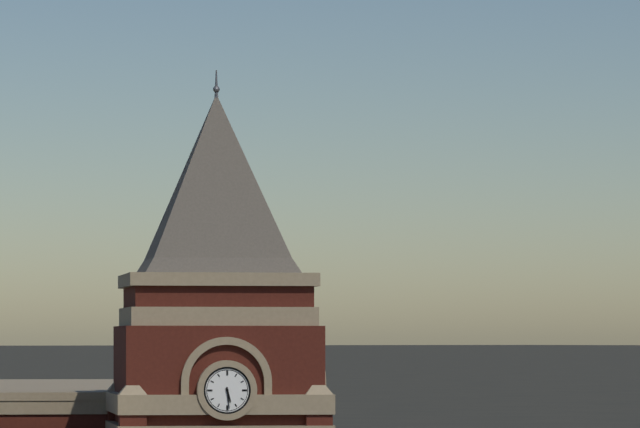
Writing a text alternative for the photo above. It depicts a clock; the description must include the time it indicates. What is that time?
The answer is 5:29
